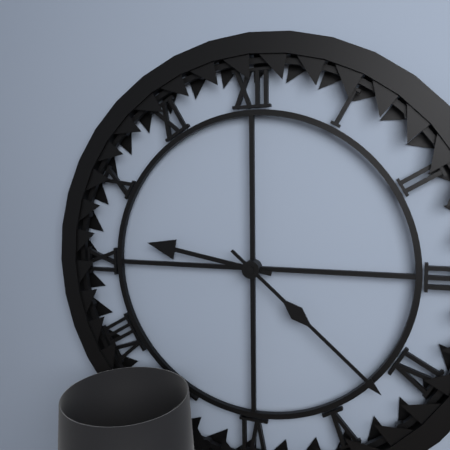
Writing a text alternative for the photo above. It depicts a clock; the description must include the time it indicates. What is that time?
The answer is 9:22
